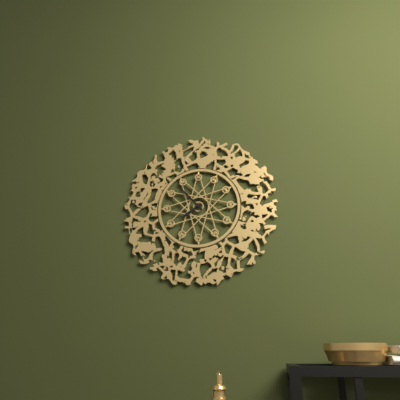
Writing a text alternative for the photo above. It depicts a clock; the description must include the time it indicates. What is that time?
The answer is 7:53
